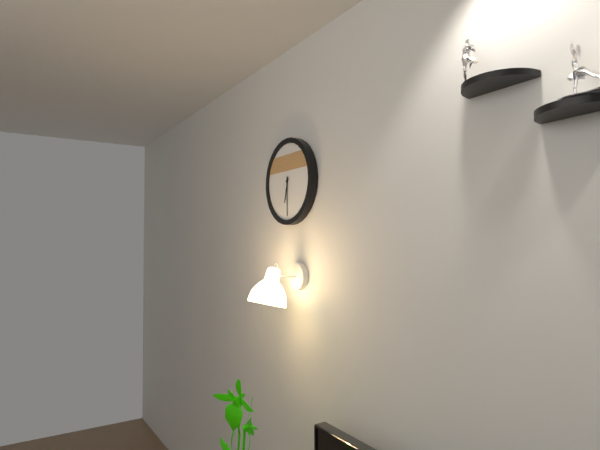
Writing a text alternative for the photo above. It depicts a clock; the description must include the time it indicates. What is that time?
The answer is 6:30
